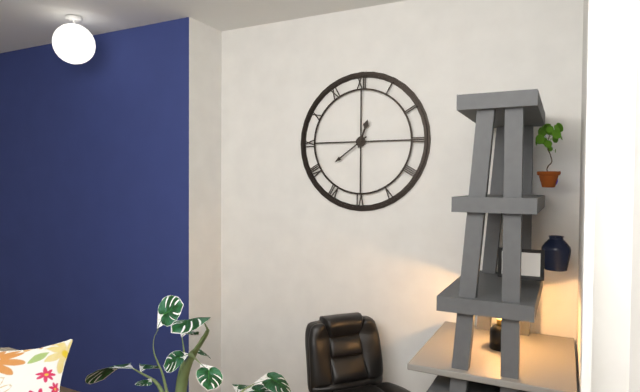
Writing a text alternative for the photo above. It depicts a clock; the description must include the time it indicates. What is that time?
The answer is 12:39
